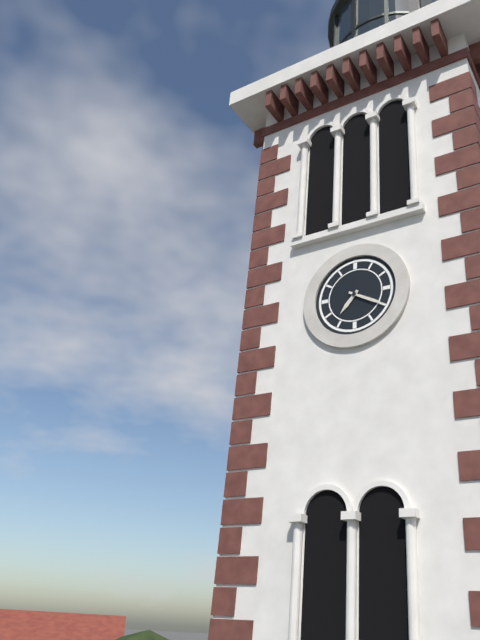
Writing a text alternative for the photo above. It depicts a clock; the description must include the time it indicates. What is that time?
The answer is 7:20
